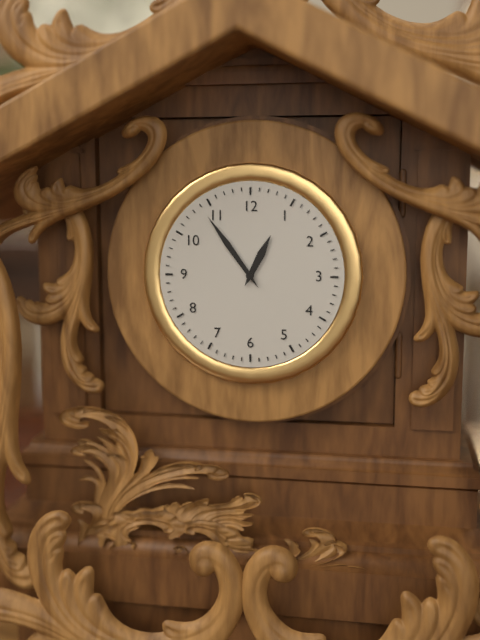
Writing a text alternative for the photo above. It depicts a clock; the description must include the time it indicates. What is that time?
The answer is 12:54
